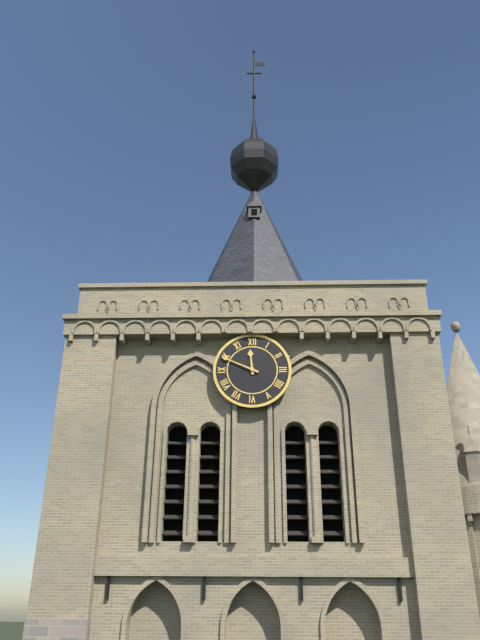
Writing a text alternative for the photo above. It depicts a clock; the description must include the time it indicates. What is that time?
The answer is 11:49
